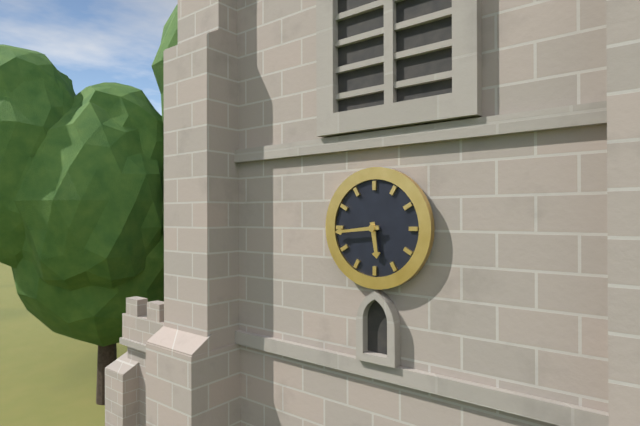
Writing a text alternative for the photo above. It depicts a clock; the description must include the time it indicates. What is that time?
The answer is 5:44
